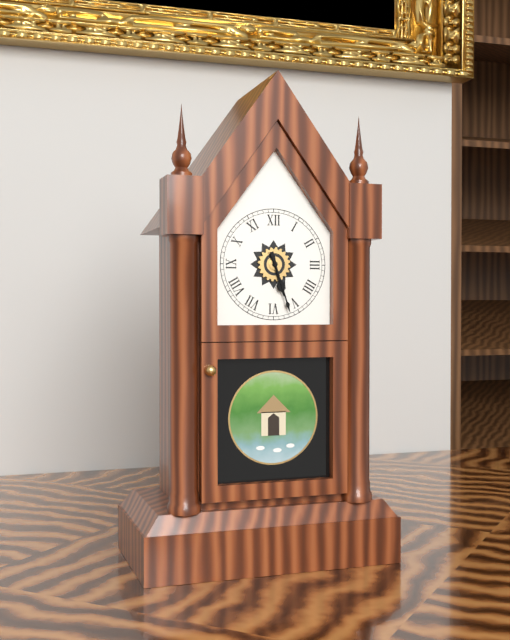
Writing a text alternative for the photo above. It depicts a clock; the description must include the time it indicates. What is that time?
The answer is 5:27
